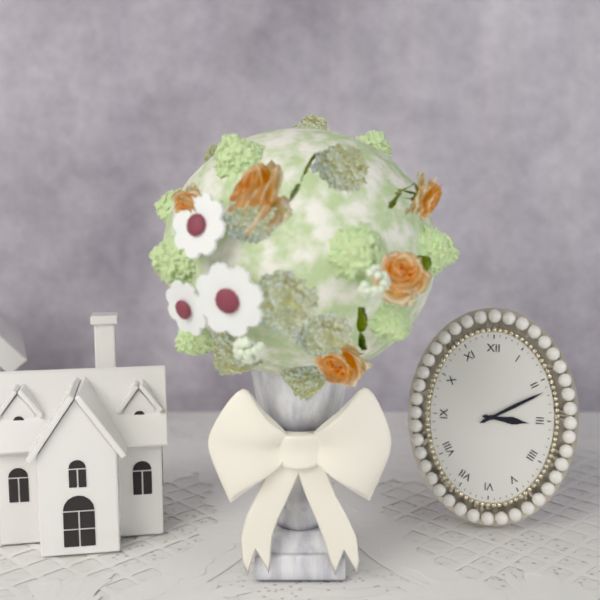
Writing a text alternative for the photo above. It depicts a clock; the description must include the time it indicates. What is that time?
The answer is 3:10
